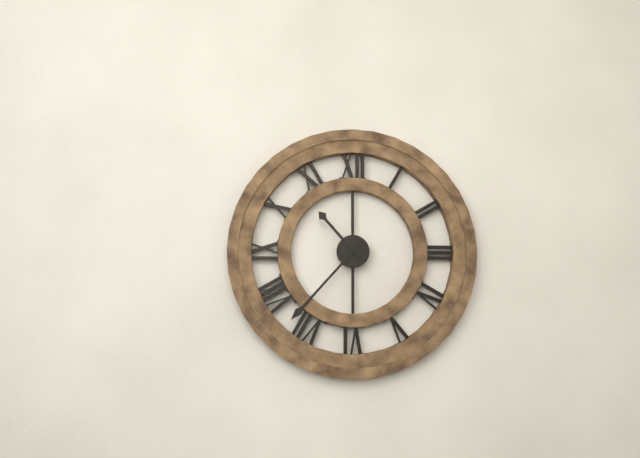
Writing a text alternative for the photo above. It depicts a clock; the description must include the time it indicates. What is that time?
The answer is 10:37
